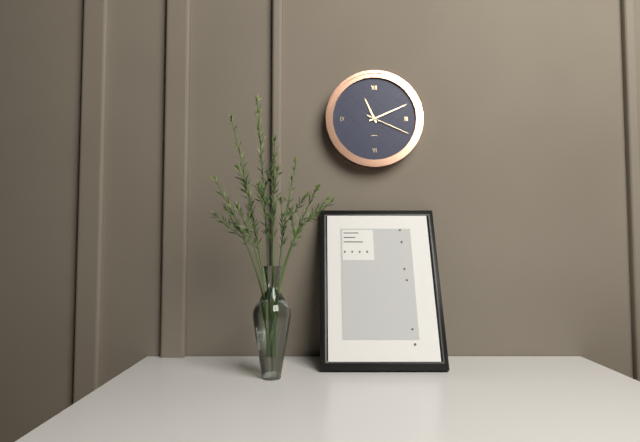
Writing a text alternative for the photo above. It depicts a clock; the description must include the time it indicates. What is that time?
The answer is 11:11
